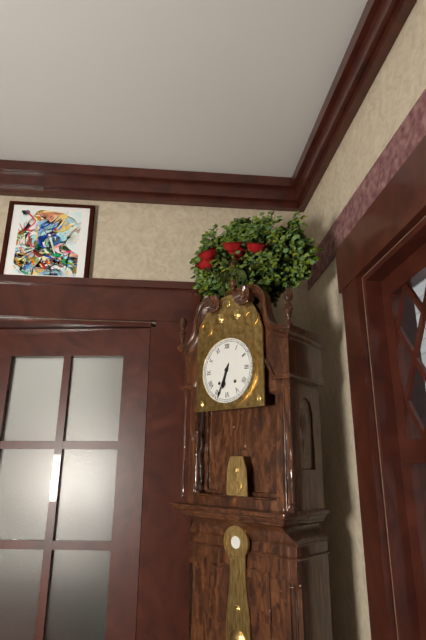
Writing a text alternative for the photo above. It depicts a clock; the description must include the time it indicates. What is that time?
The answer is 6:34
